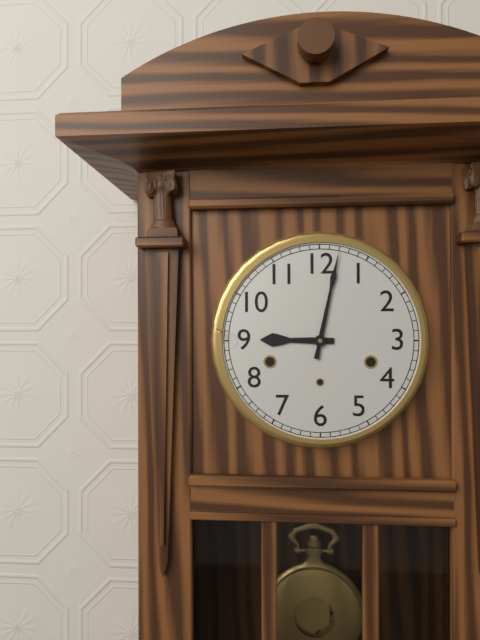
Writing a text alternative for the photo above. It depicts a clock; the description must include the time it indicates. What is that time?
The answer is 9:02
